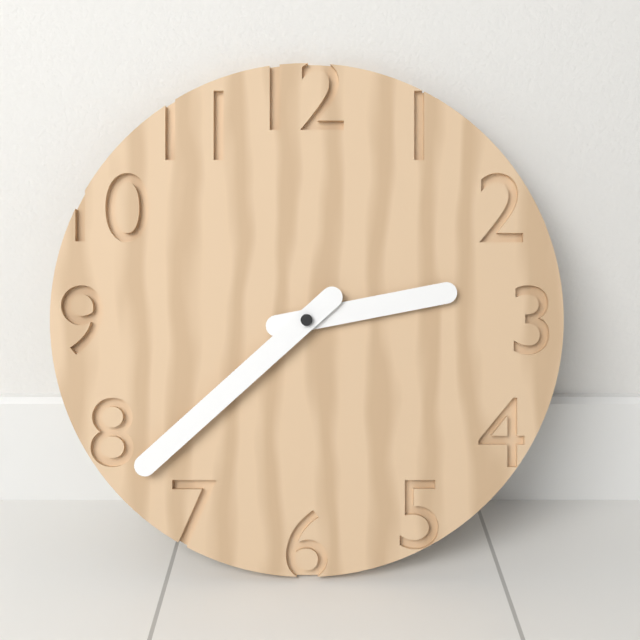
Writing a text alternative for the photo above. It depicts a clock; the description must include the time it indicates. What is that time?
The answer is 2:38
